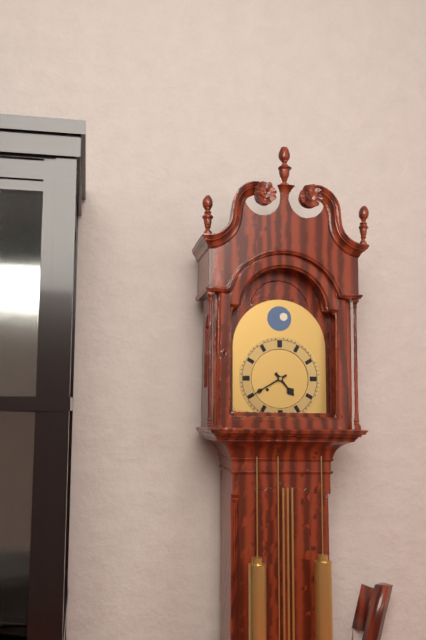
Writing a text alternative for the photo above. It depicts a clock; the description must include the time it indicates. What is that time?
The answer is 4:40
